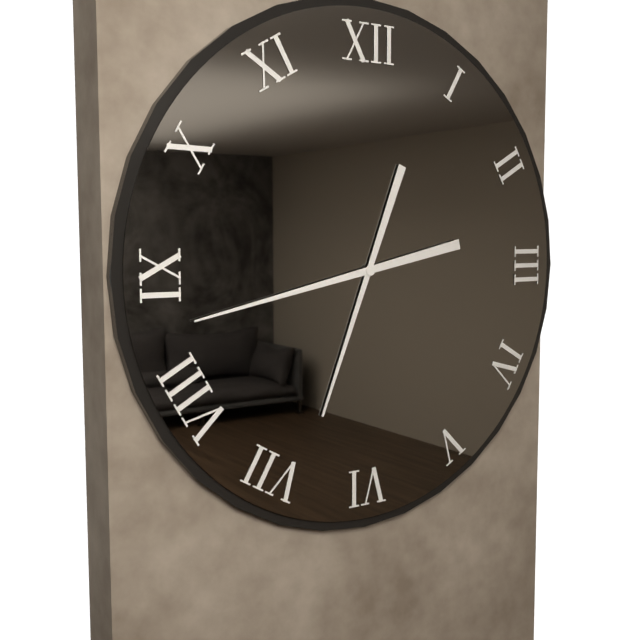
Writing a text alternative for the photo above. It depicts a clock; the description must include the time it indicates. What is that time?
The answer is 6:43
